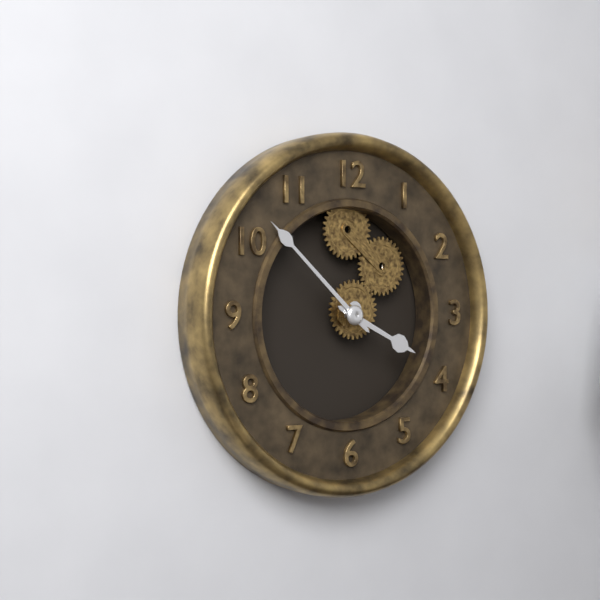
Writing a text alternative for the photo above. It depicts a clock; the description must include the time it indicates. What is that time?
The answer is 3:52
